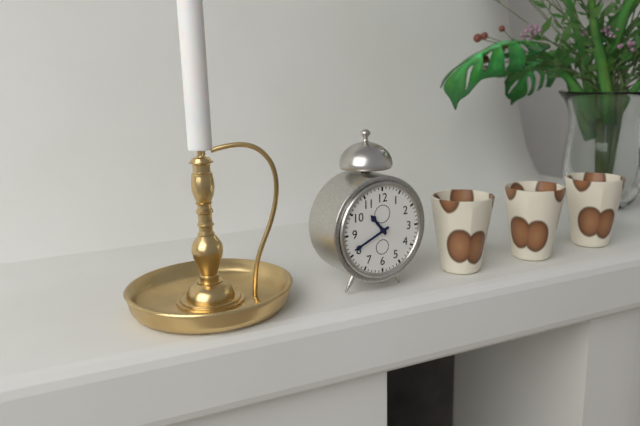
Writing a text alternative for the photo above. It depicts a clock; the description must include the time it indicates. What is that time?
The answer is 10:41
